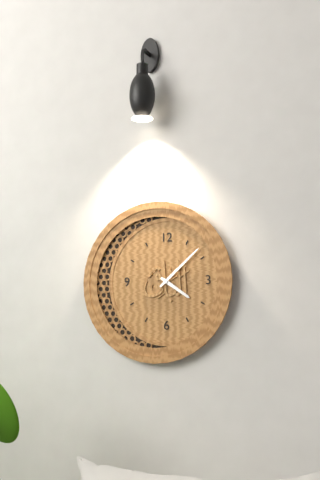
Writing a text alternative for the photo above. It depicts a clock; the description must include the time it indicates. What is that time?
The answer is 4:08
